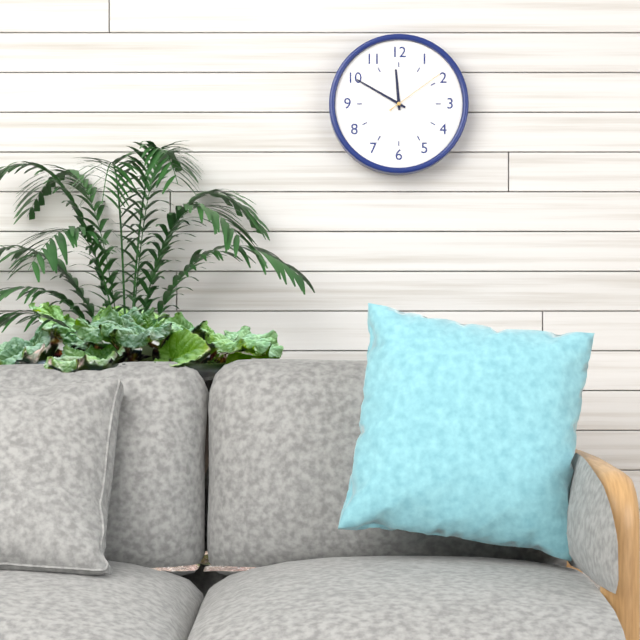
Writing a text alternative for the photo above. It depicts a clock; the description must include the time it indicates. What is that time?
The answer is 11:50:09
